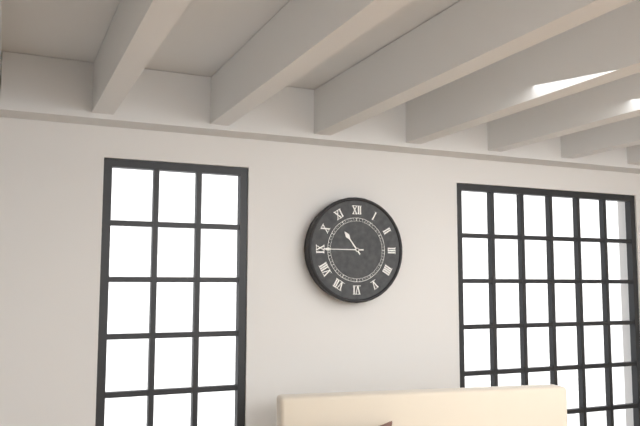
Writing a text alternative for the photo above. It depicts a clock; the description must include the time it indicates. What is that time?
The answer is 10:45
